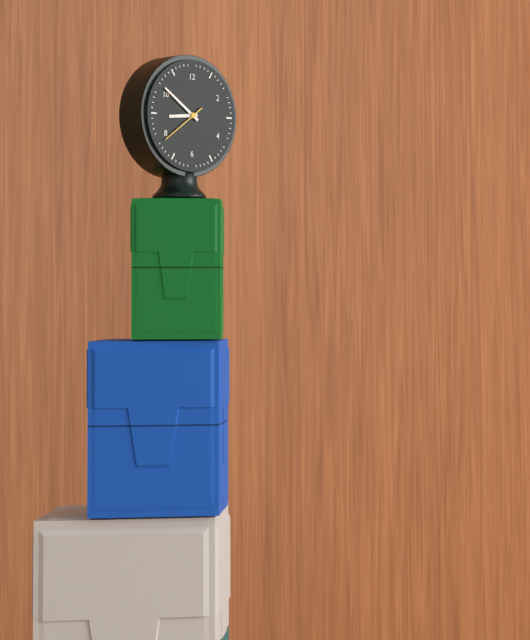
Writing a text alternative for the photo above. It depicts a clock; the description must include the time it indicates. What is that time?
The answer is 8:51
